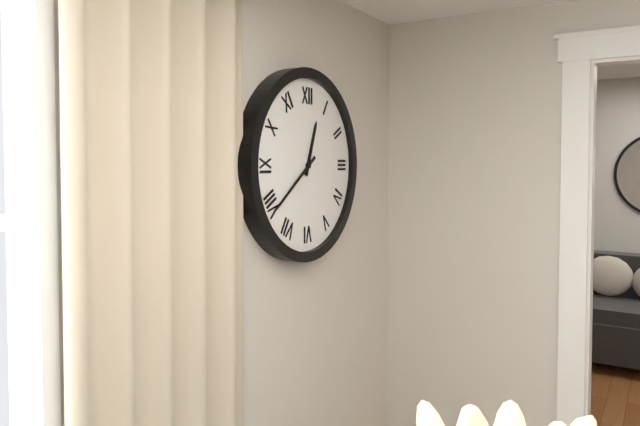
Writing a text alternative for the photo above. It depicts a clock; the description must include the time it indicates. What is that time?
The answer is 12:39
